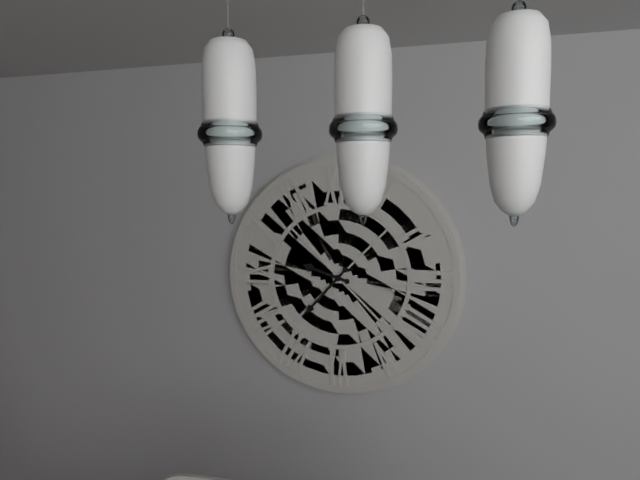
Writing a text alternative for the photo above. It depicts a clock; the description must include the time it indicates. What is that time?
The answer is 9:37
